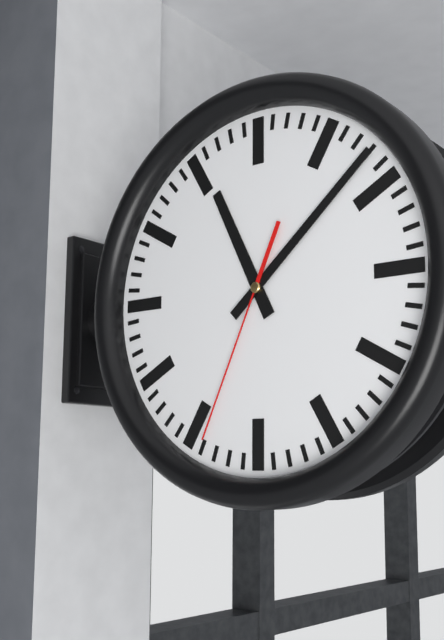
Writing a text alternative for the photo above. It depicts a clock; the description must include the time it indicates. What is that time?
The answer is 11:08:34
